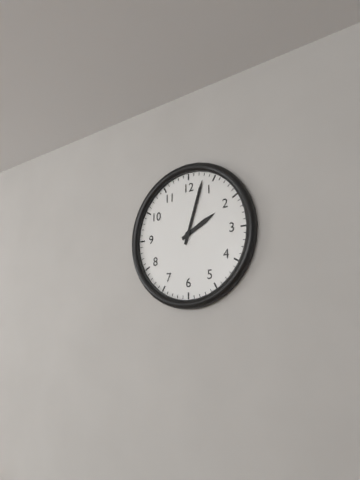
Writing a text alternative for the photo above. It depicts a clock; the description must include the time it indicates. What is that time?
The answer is 2:03
